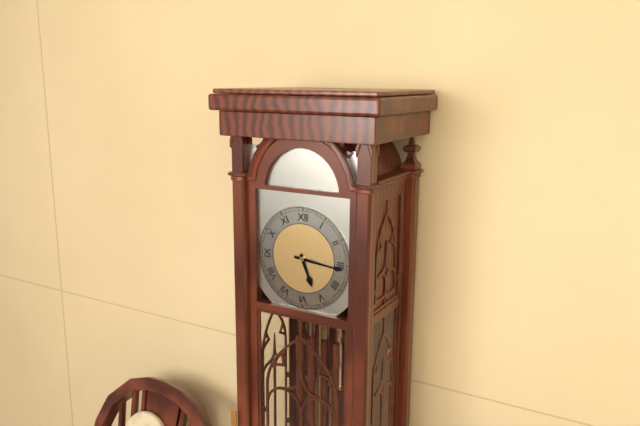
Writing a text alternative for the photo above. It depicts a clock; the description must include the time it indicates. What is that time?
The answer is 5:16
